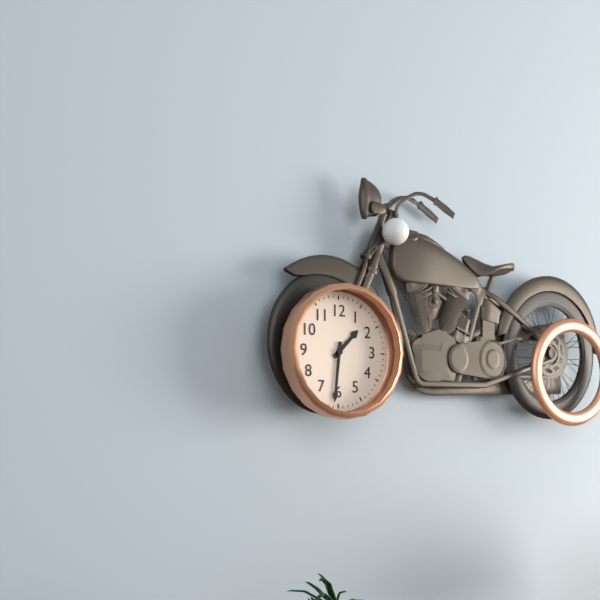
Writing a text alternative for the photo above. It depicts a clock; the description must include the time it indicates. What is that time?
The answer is 1:31
